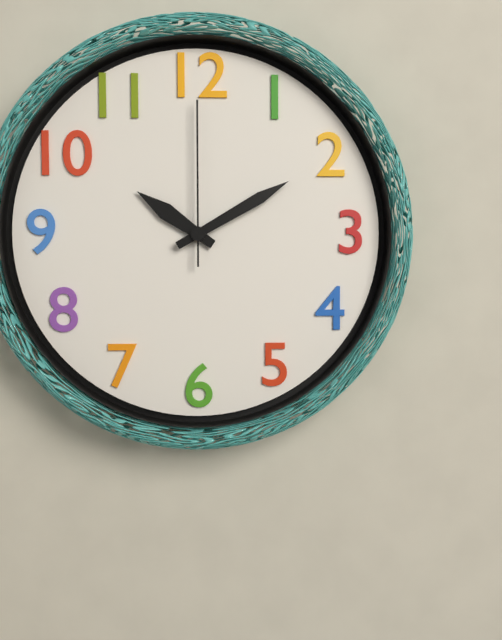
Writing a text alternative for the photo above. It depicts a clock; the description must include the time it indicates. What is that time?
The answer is 10:10:00
